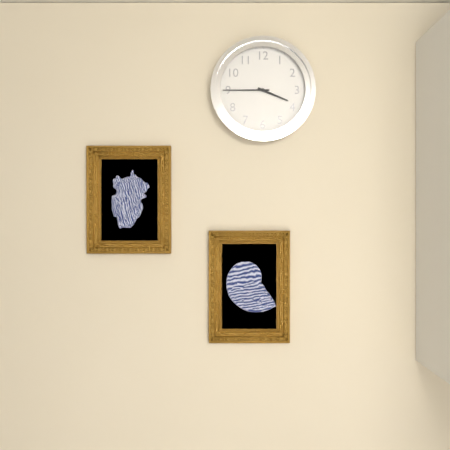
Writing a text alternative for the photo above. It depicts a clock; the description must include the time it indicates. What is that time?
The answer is 3:45
